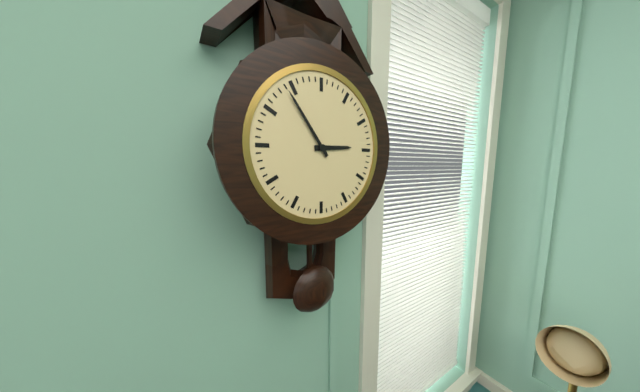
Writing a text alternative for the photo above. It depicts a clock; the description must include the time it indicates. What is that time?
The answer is 2:54
